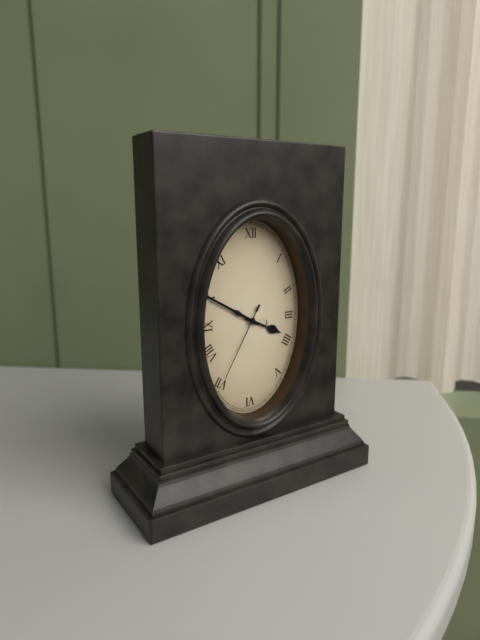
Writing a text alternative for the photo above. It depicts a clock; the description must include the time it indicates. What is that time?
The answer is 3:50:35
